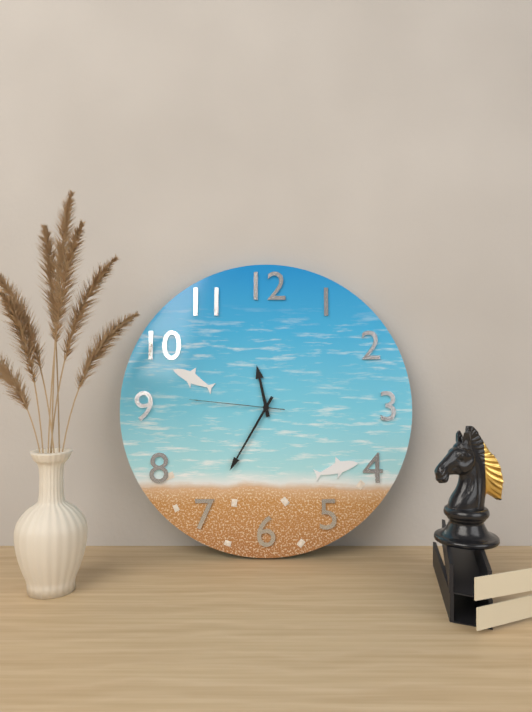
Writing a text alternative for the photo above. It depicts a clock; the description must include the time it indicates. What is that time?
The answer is 11:35:46
